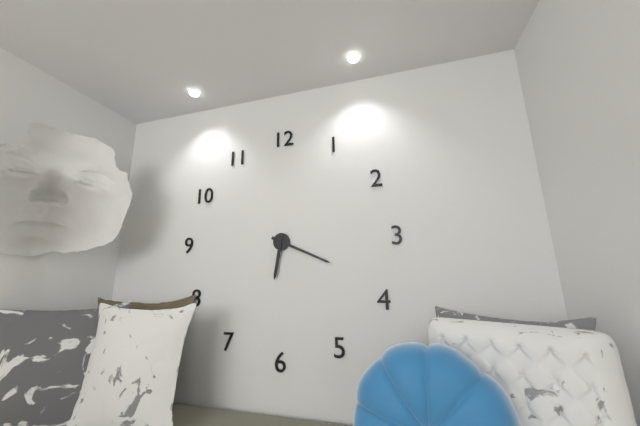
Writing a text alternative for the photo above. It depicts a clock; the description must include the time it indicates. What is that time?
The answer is 6:19
